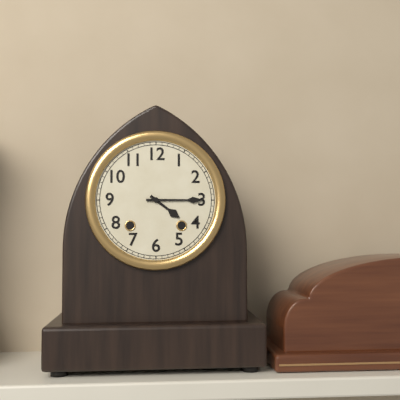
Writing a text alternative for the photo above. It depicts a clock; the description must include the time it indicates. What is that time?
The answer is 4:15
